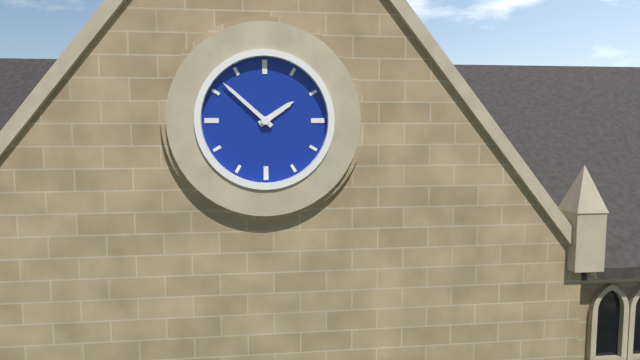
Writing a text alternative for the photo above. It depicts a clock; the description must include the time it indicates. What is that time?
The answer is 1:52
